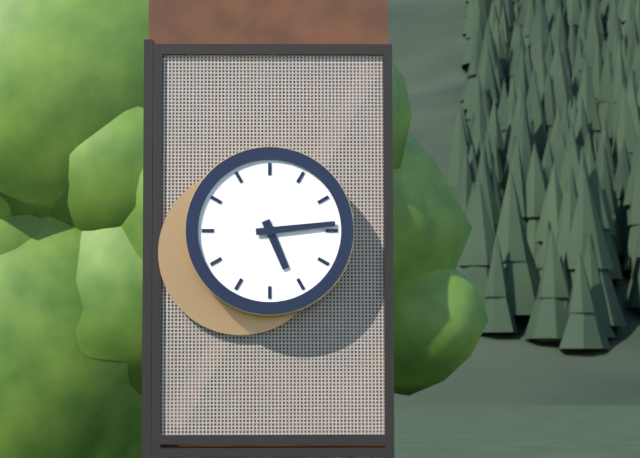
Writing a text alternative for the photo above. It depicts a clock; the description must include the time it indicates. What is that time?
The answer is 5:14
